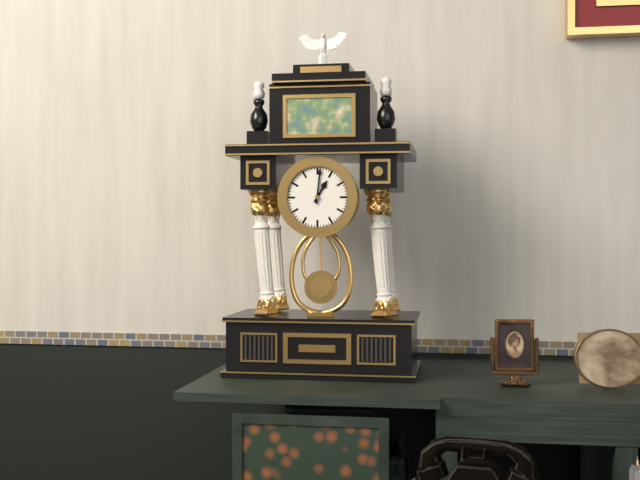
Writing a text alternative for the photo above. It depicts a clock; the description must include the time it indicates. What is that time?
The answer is 1:01
